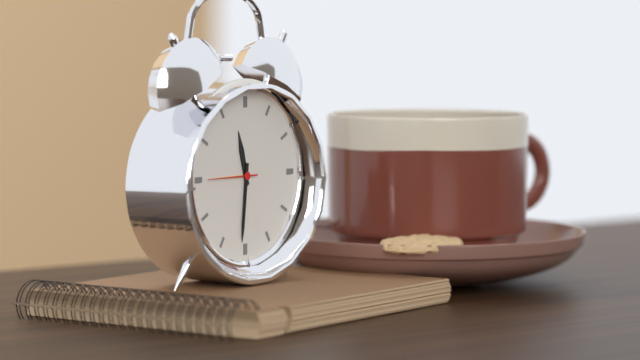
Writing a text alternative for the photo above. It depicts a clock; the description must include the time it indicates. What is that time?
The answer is 11:31
